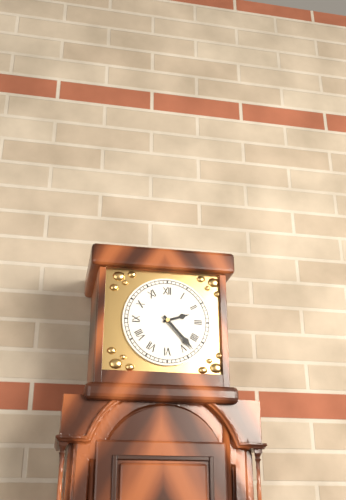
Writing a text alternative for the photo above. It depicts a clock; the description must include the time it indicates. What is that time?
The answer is 2:23
